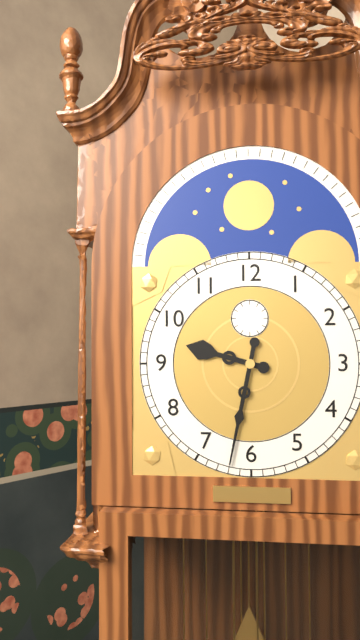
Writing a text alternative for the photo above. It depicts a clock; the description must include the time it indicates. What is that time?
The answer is 9:32
